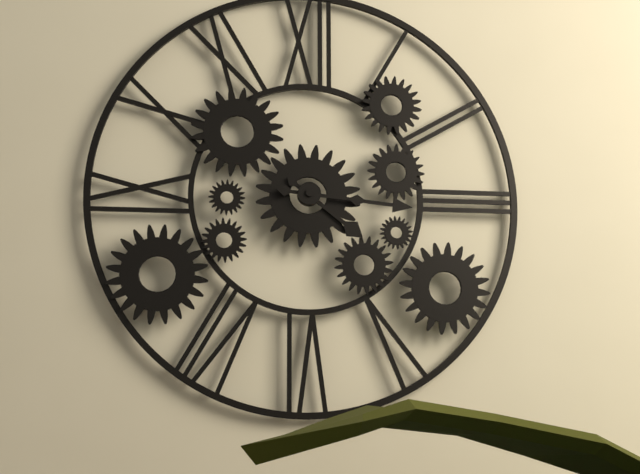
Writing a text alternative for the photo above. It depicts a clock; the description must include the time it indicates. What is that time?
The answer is 4:16
